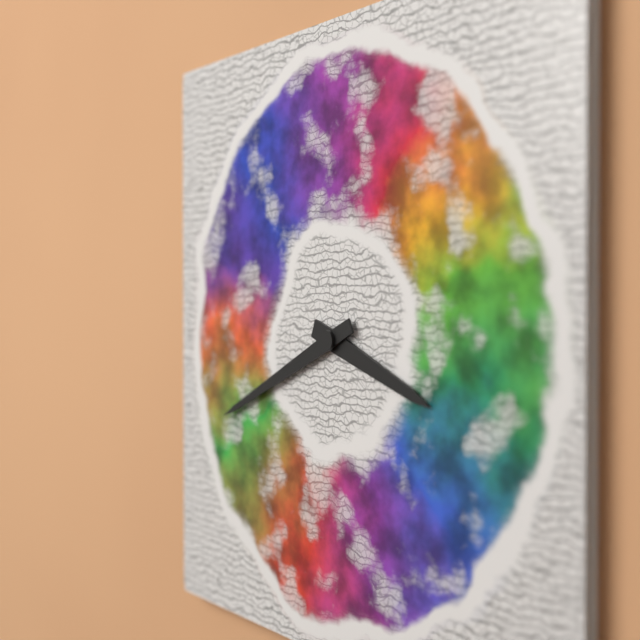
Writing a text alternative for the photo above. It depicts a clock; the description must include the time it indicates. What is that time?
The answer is 3:41
